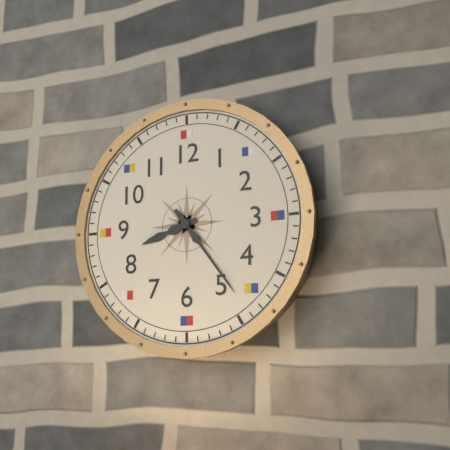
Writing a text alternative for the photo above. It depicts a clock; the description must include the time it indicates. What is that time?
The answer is 8:24
